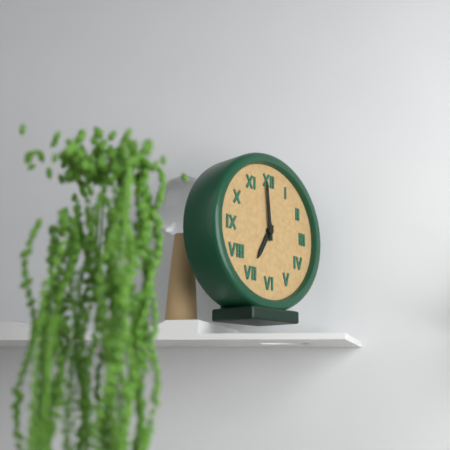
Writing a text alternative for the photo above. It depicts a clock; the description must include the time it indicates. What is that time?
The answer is 6:59
